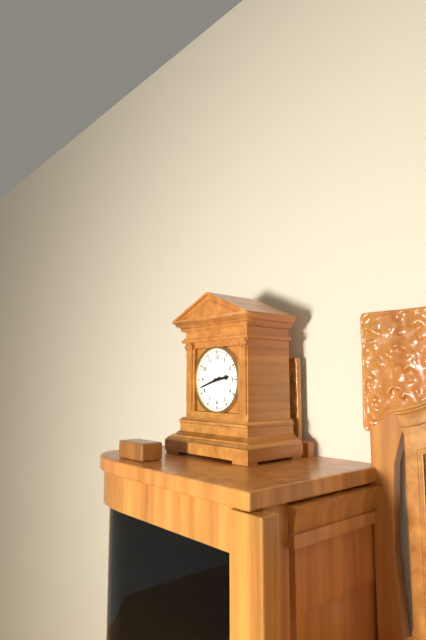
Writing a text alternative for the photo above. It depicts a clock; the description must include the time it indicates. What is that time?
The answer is 2:42
